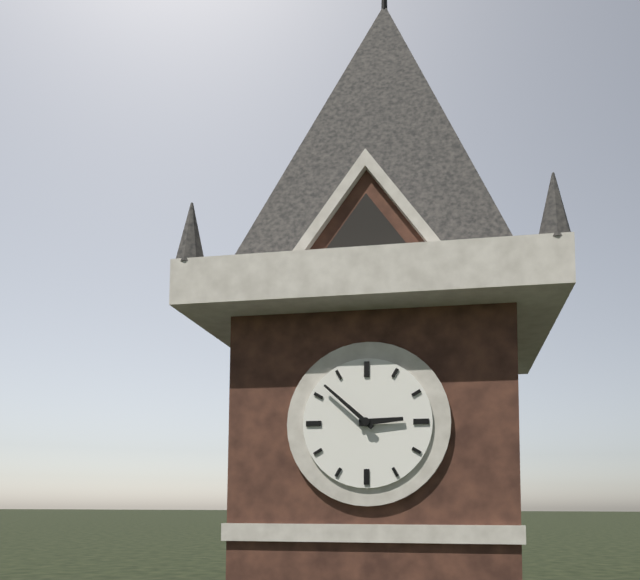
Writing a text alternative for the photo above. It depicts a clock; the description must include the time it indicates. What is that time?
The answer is 2:52
